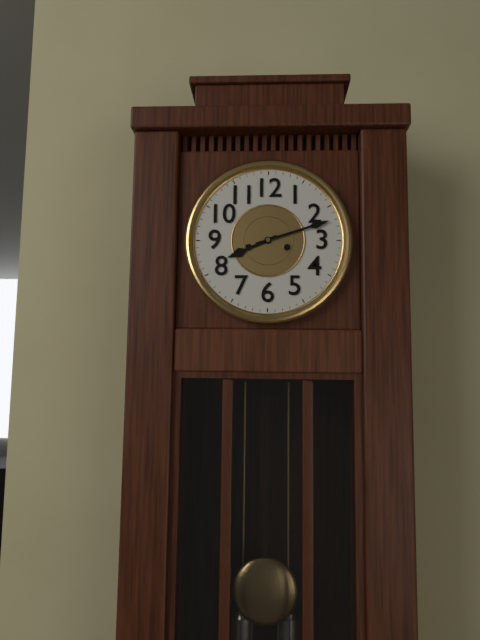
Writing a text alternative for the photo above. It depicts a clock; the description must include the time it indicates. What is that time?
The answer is 8:12
